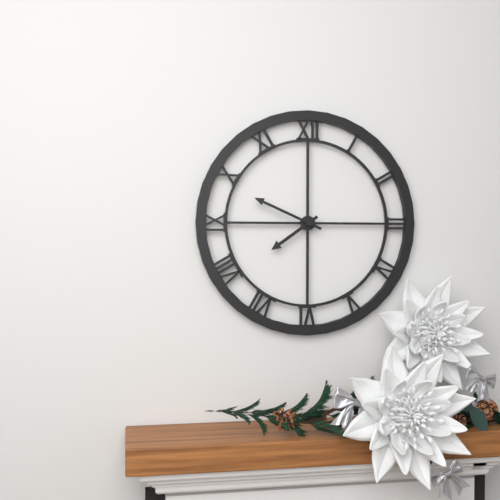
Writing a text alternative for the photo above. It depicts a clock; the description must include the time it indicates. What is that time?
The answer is 7:49
